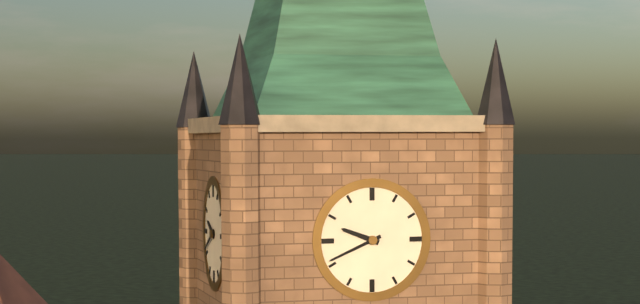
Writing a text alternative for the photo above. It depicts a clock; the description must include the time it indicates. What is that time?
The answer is 9:41
